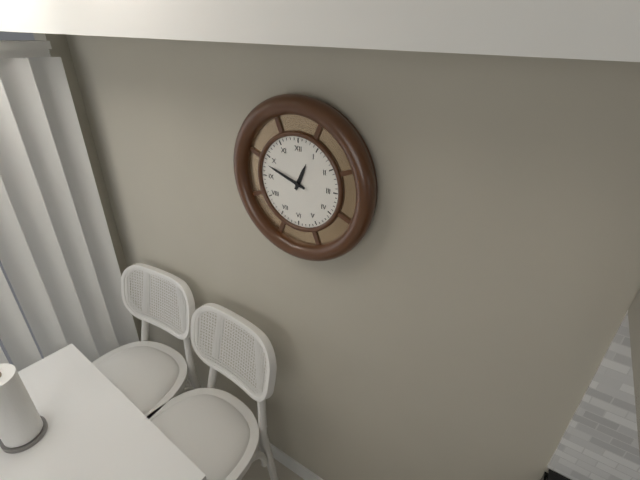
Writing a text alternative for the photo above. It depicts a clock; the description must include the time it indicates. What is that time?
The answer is 12:48
